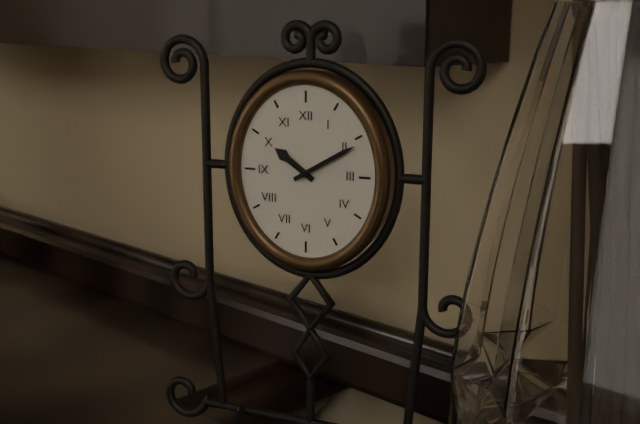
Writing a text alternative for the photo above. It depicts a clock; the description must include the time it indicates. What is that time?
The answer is 10:10
